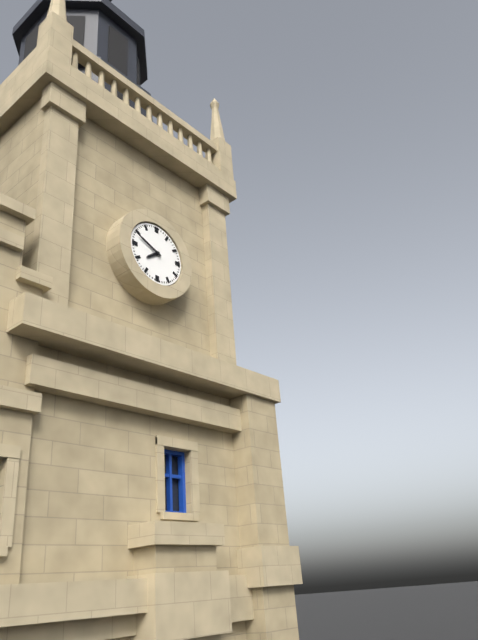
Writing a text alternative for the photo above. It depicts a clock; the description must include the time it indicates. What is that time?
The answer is 7:49
